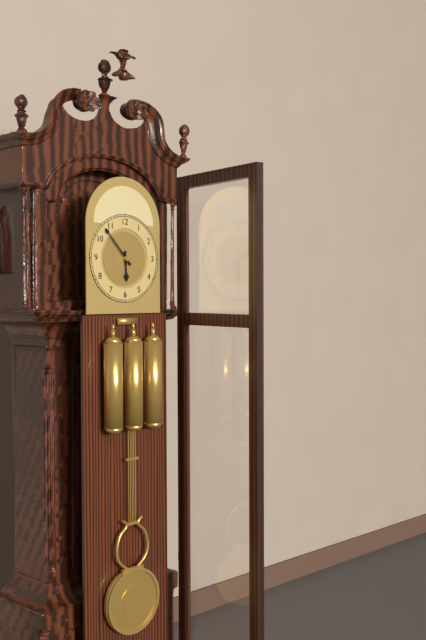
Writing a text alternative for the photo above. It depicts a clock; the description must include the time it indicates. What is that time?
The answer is 5:53
